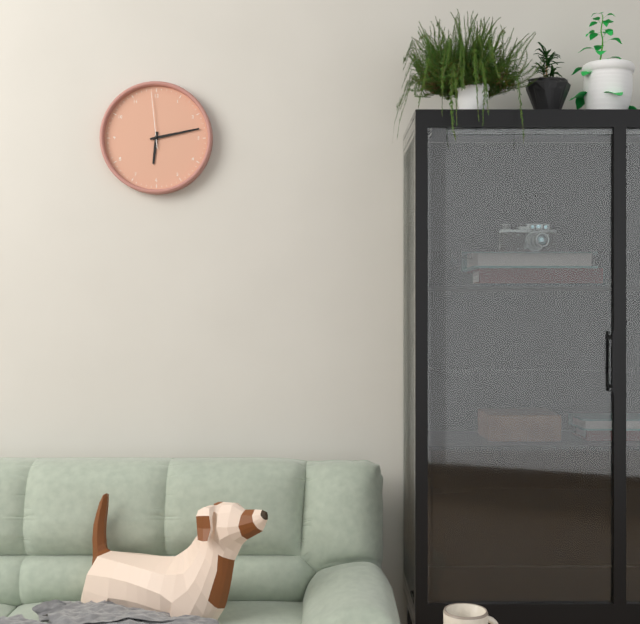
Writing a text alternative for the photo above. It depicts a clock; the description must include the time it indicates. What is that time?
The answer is 6:13:59
